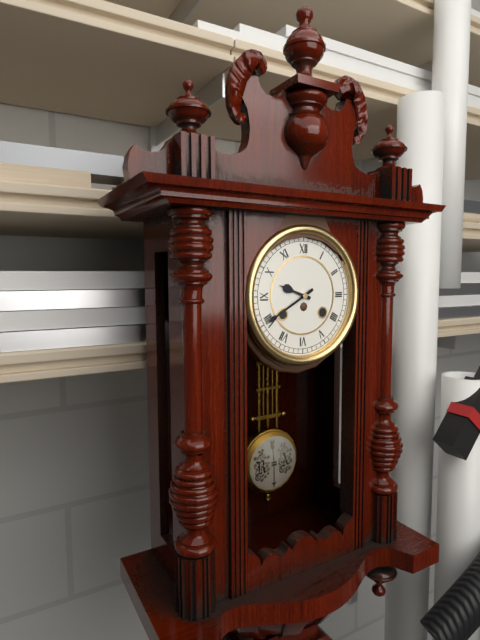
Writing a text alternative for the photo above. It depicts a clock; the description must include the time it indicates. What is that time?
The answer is 9:40
